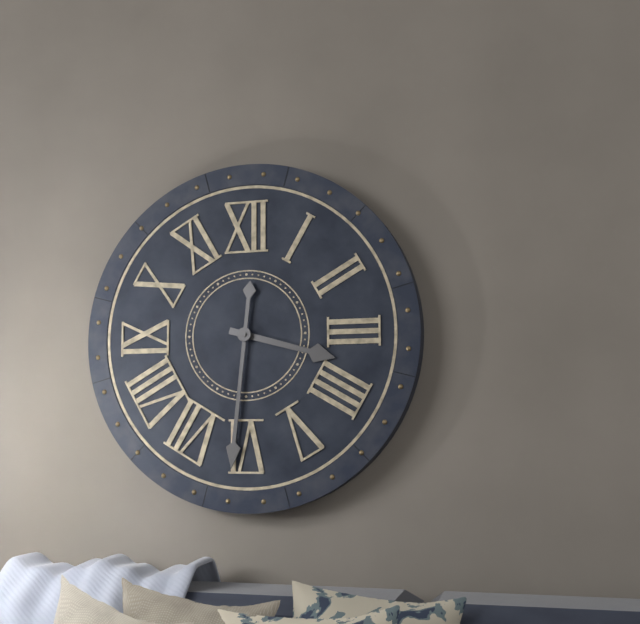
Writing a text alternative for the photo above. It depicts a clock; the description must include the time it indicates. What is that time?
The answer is 3:31
